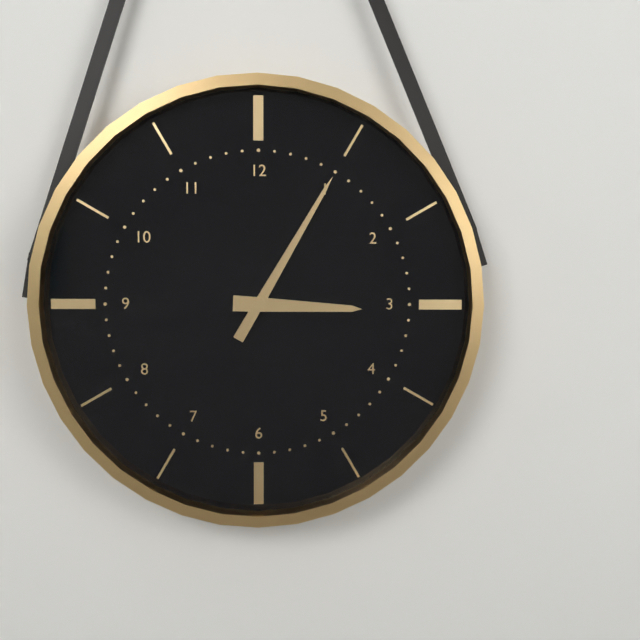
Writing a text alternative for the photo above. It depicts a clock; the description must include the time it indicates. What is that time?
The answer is 3:05
